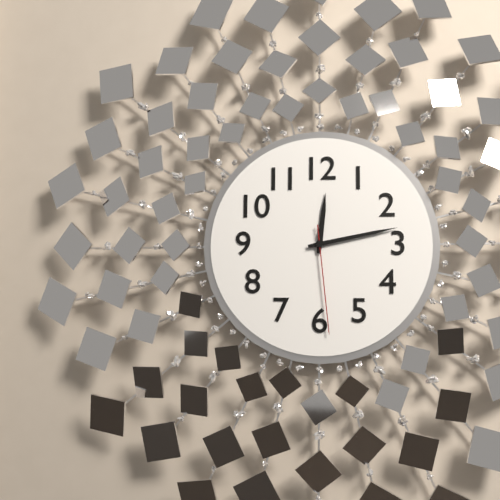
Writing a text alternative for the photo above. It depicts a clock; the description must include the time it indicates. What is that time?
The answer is 12:13:29
